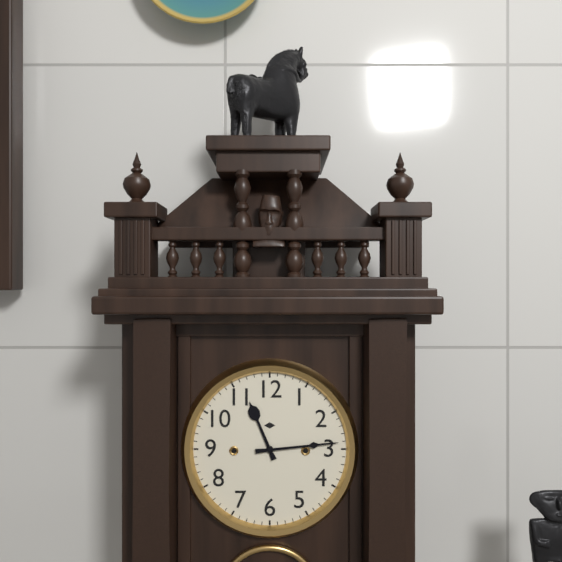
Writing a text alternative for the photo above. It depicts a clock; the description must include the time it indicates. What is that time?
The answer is 11:14
